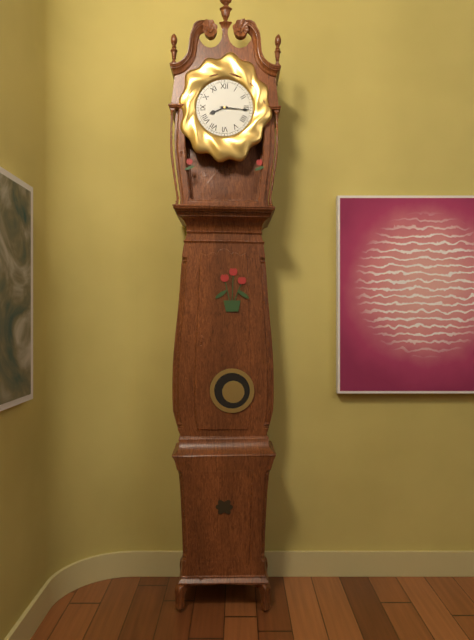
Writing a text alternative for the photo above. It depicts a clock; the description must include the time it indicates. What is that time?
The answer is 8:16
